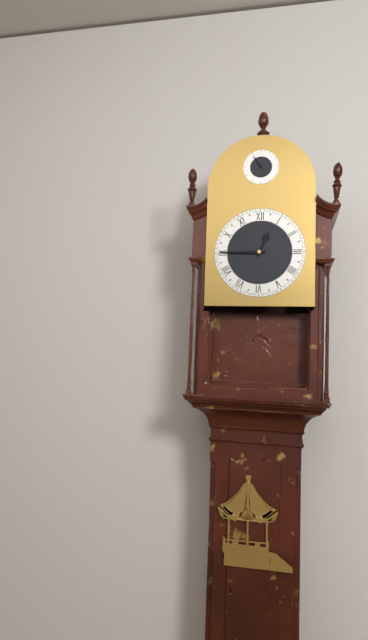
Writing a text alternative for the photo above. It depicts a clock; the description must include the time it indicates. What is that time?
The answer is 12:45
